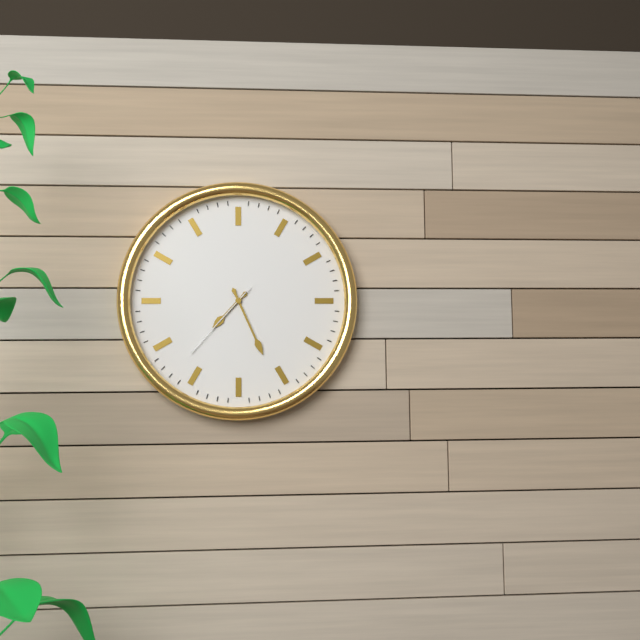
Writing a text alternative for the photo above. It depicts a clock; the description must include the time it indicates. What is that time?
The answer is 7:26:37
